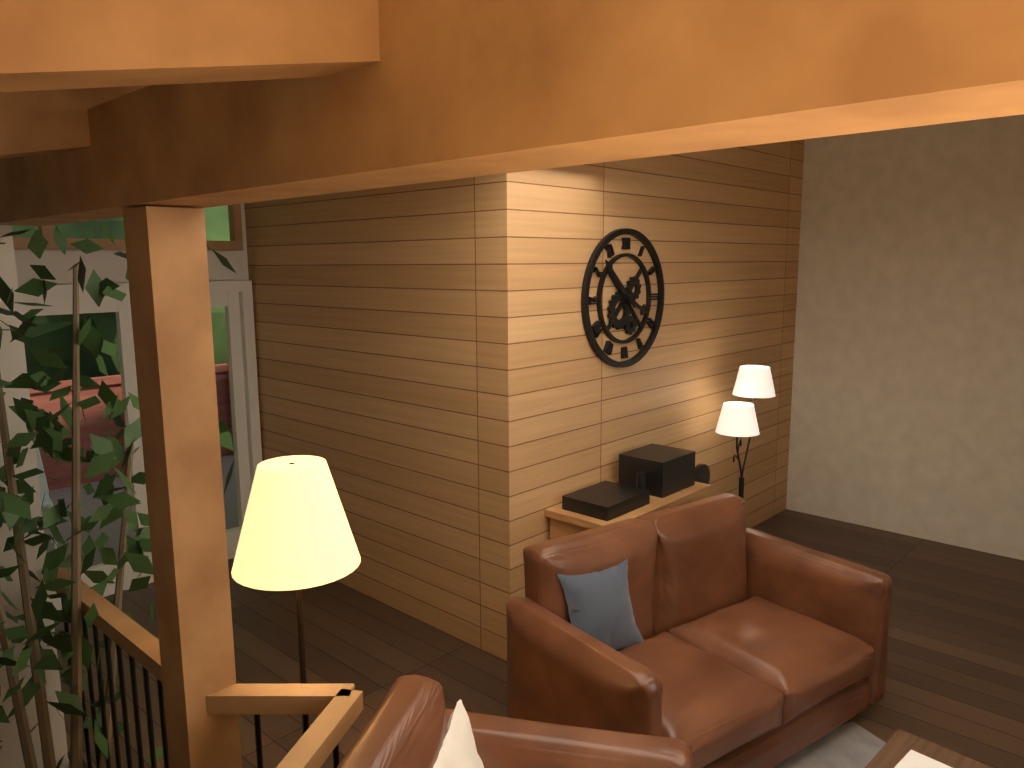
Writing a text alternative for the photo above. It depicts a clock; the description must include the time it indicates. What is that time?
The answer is 3:52
